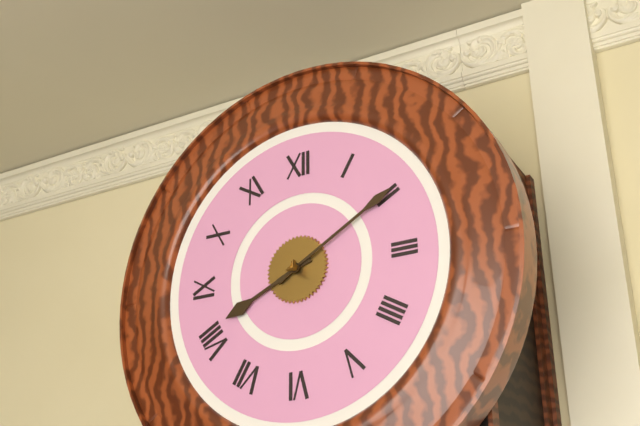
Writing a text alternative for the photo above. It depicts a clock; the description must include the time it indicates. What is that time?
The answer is 8:10
